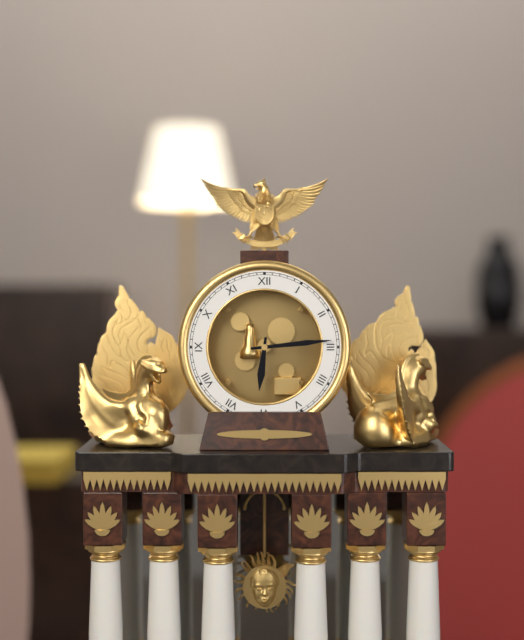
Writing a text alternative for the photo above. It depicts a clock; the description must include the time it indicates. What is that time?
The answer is 6:14
